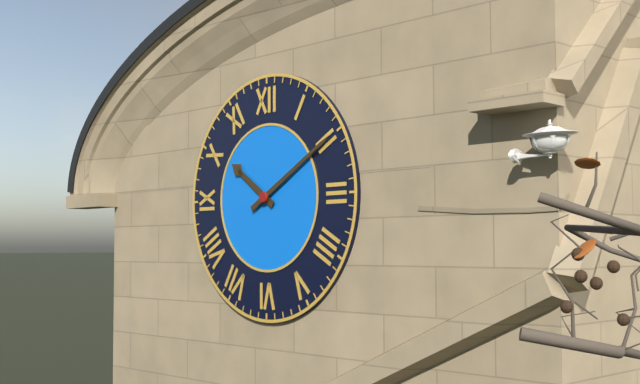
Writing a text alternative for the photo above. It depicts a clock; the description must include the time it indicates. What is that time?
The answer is 10:10
